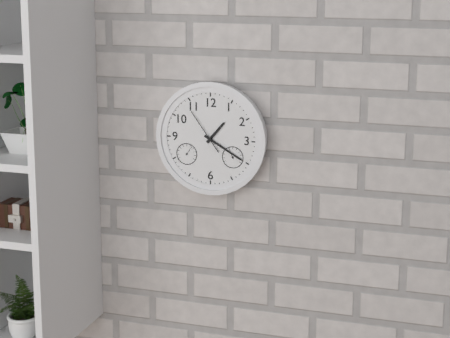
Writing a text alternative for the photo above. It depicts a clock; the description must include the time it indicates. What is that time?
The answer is 1:20
